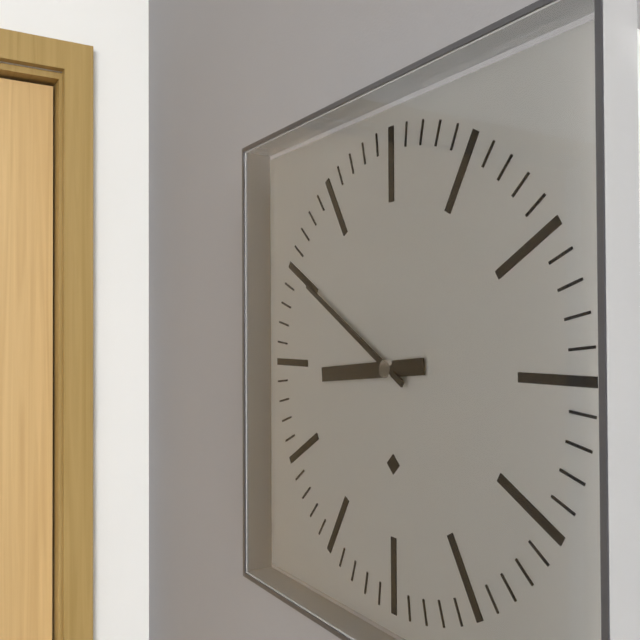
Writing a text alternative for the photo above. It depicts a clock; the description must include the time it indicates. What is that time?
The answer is 8:50
